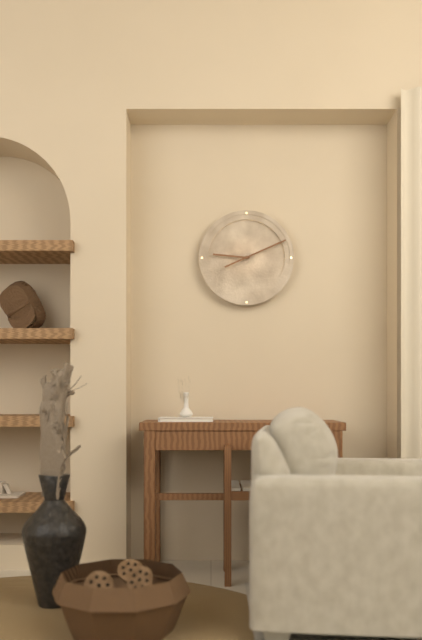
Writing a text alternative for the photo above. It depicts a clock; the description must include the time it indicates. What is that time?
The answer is 9:11
